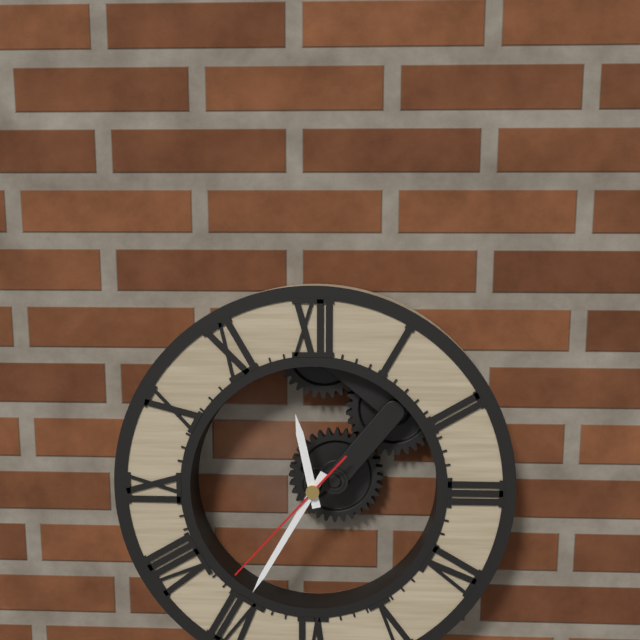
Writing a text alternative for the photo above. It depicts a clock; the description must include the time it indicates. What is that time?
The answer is 11:35:37
